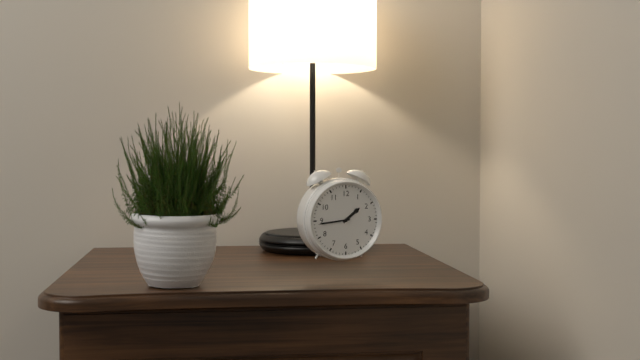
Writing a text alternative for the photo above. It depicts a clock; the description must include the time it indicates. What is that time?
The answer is 1:44
